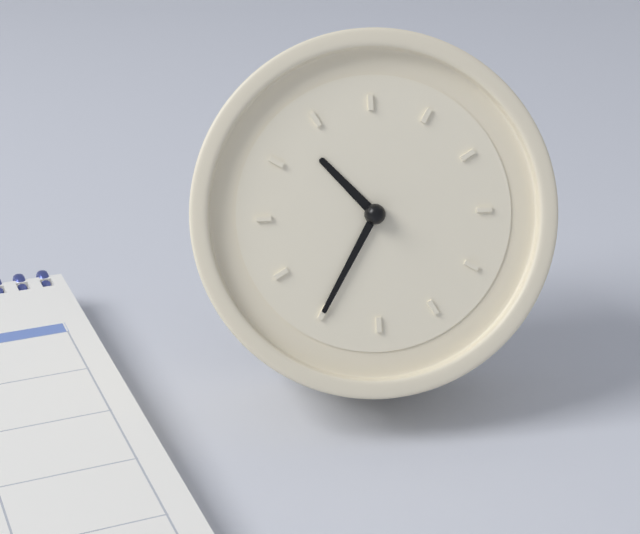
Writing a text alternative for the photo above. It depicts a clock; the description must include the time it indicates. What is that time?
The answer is 10:35
